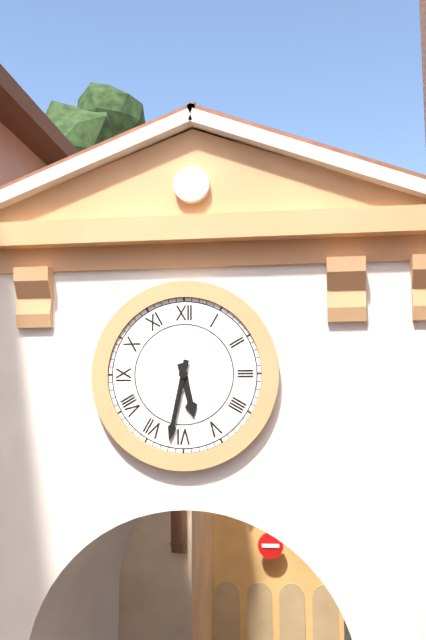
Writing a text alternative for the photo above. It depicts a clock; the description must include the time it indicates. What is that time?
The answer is 5:32
